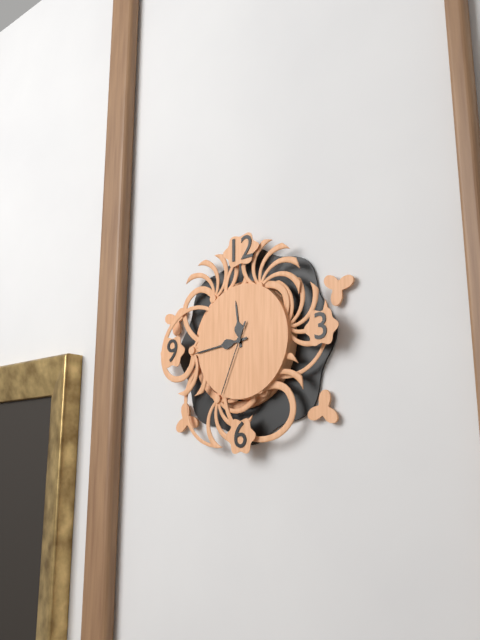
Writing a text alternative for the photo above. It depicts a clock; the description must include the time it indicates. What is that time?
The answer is 11:44:34
